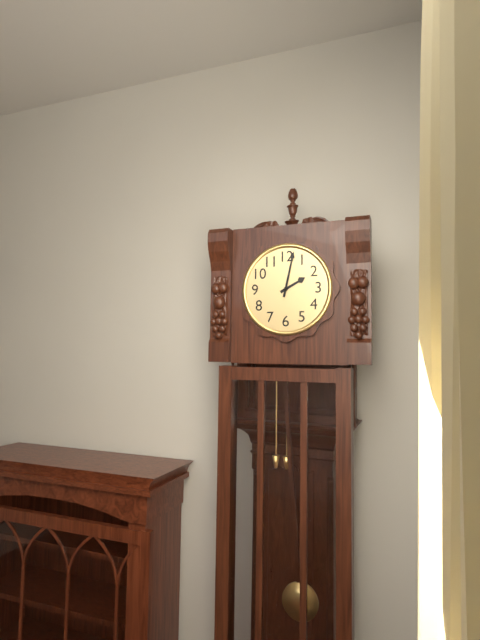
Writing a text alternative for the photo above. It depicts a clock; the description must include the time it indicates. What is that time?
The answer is 2:02
